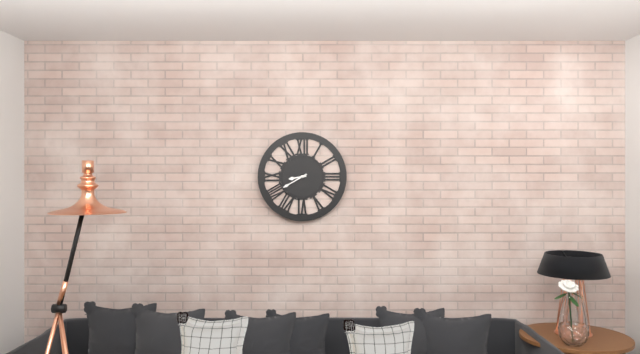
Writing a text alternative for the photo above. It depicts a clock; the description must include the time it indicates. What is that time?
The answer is 8:40
